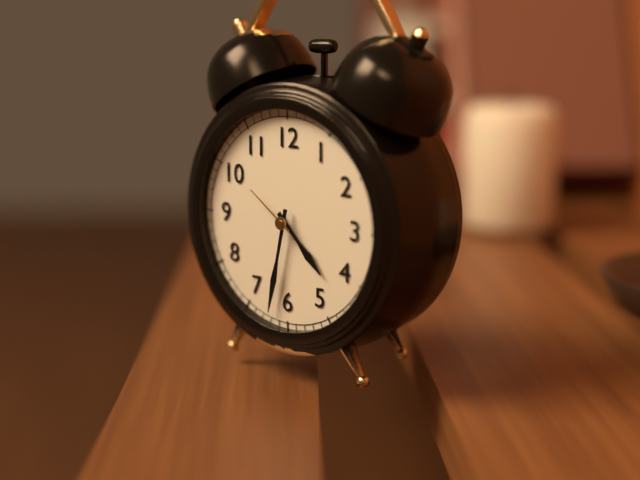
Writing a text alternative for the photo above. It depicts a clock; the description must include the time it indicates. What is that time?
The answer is 4:32:51
